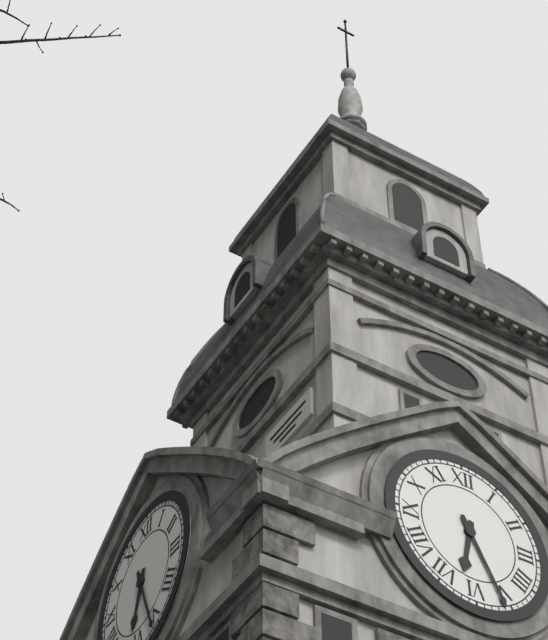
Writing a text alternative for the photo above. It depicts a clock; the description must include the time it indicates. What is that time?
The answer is 6:26
